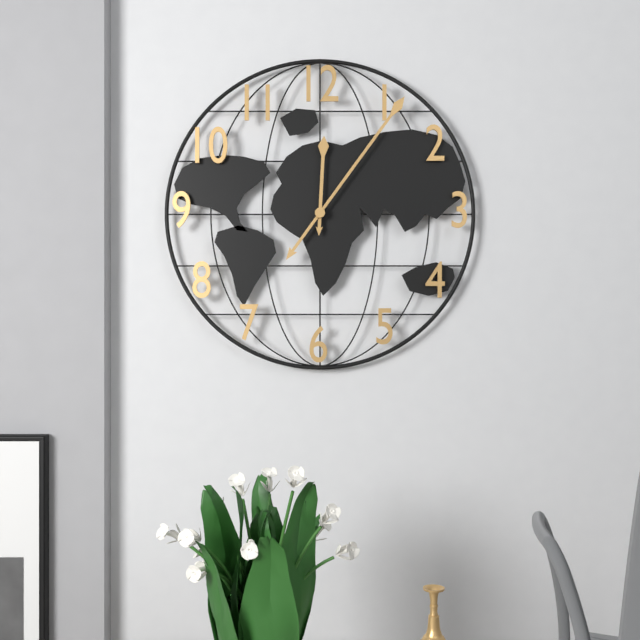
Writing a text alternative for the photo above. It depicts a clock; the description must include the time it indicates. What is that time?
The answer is 12:06
